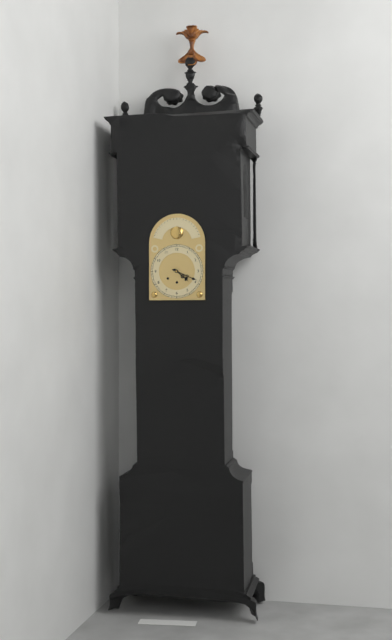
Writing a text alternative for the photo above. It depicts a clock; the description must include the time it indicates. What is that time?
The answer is 4:19
